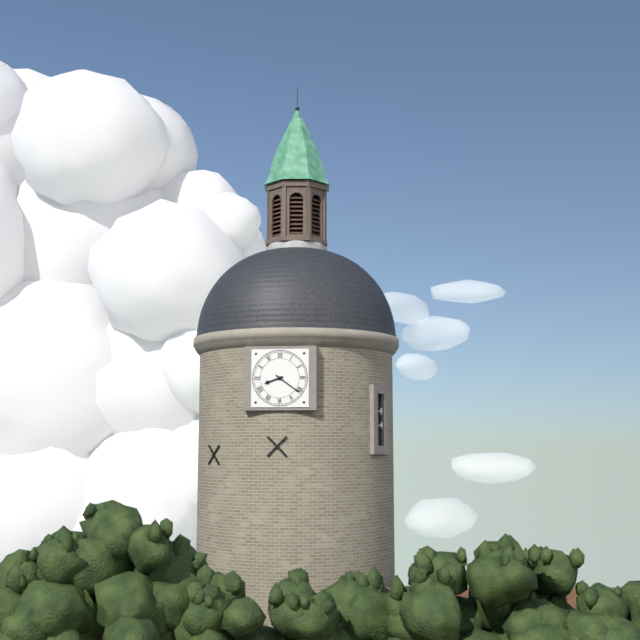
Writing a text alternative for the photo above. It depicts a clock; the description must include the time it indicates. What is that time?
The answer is 8:21
